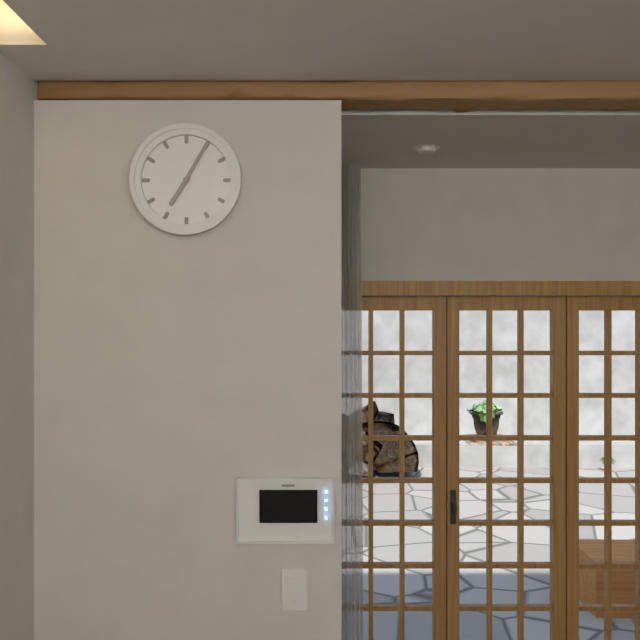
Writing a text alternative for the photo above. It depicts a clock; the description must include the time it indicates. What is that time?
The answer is 7:05
